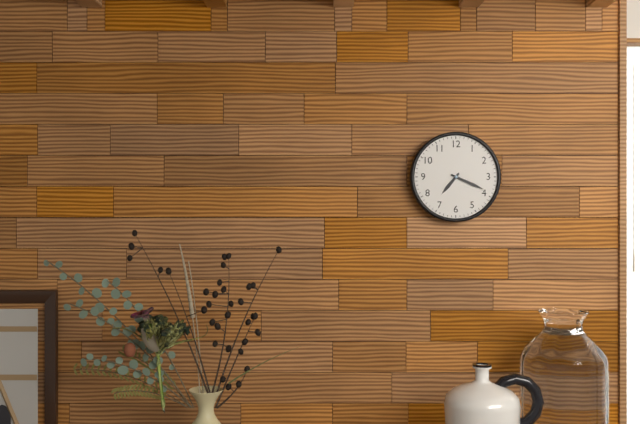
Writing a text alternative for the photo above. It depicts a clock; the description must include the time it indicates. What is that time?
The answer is 7:19
